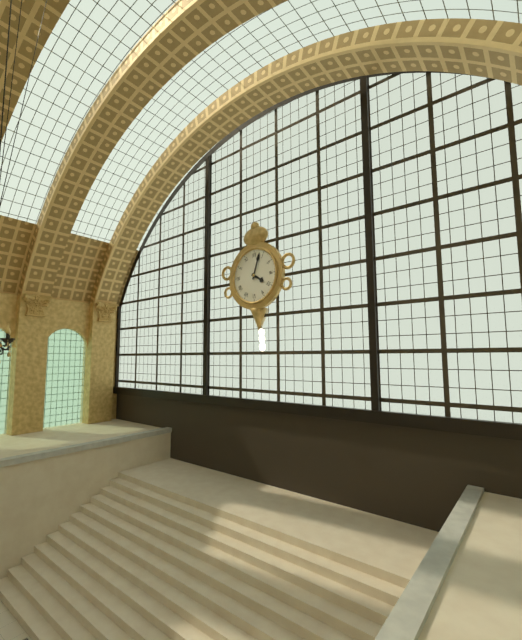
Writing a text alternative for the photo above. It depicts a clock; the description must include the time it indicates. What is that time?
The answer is 4:03
